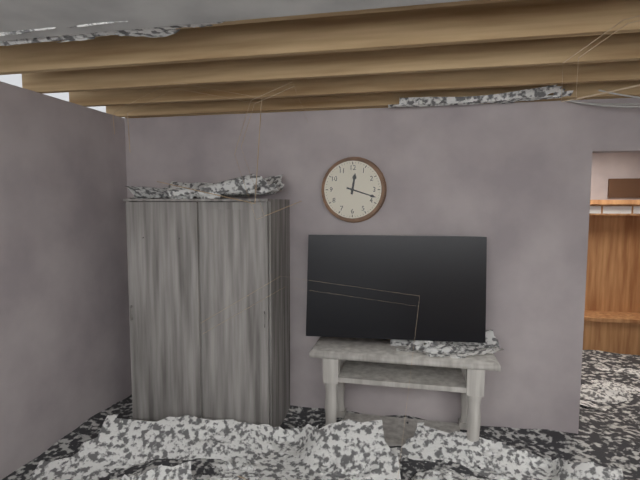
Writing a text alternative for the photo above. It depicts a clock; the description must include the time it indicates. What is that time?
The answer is 12:18
